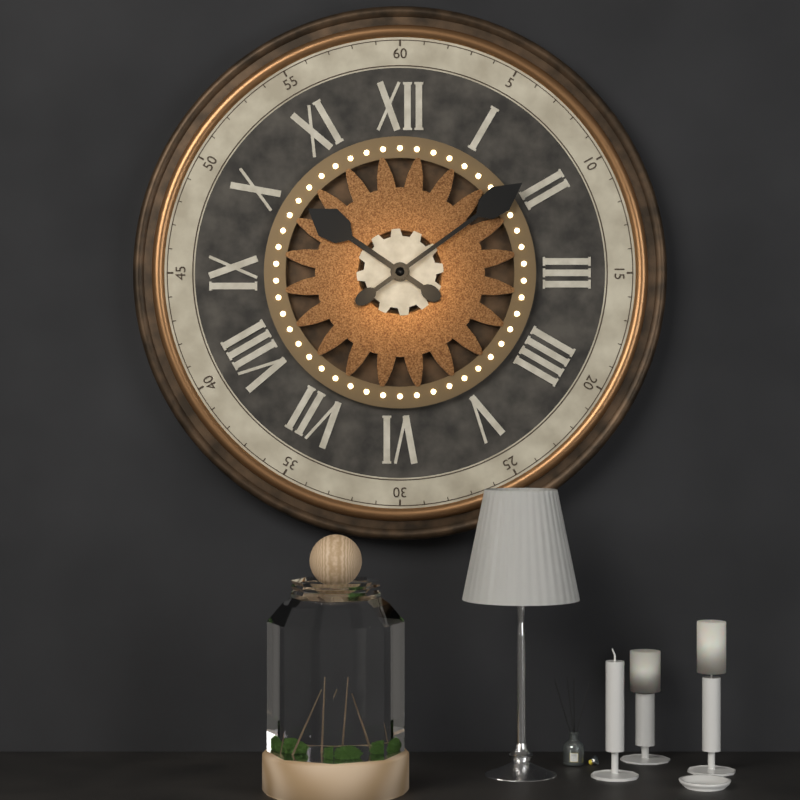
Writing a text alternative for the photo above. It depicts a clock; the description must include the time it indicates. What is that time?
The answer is 10:09
